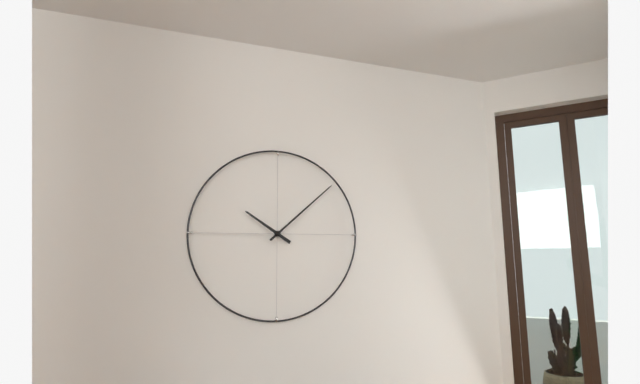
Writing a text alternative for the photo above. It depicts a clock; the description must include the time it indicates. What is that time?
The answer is 10:08
